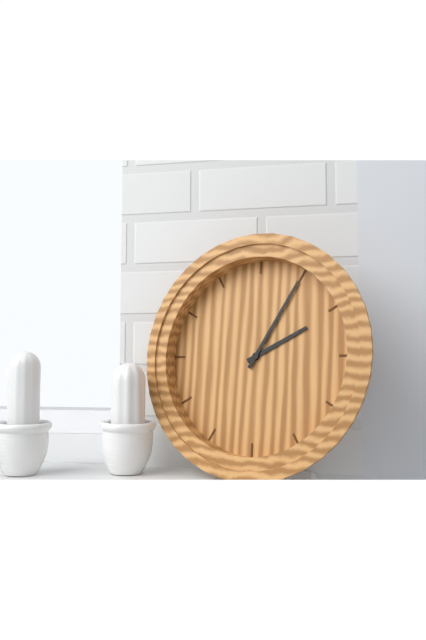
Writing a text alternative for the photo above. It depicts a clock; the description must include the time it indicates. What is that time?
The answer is 2:05
